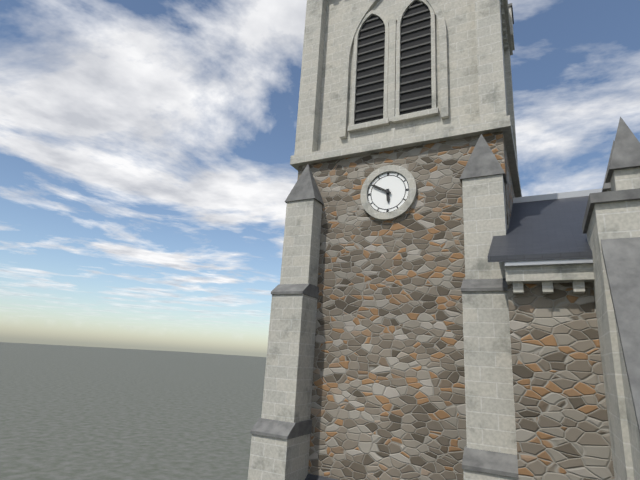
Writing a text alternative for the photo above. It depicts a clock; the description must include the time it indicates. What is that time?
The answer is 5:50
